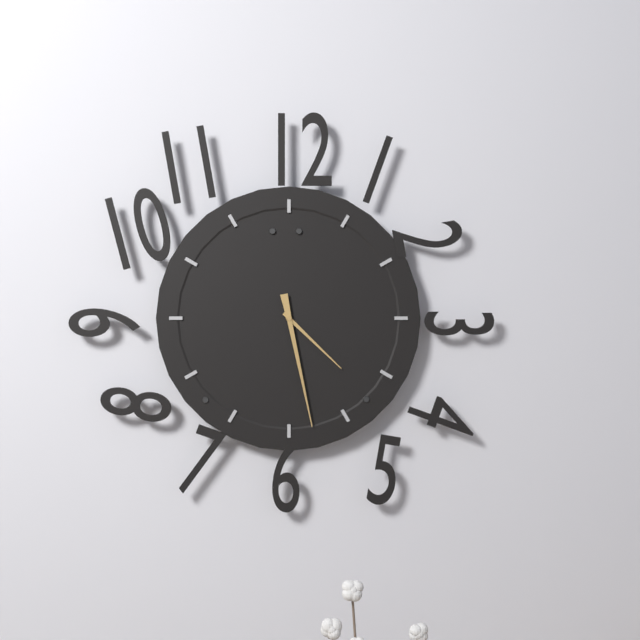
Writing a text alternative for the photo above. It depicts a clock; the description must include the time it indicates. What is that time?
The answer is 4:28
